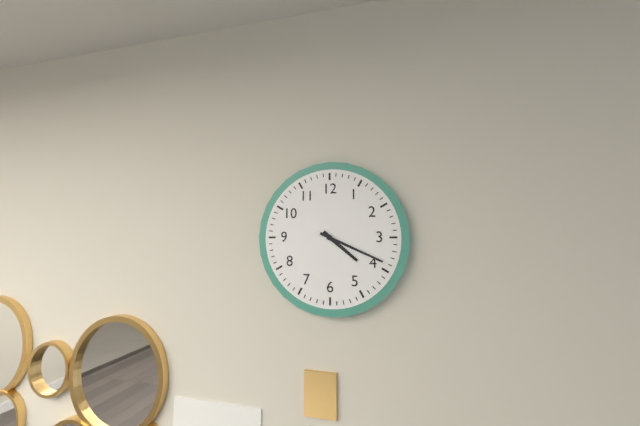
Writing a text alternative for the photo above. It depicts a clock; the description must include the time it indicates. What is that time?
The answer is 4:19
